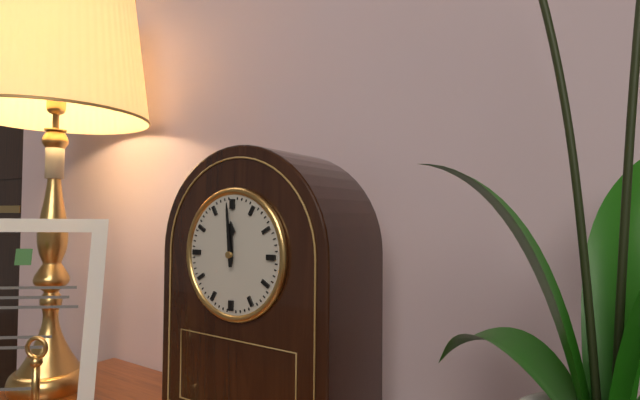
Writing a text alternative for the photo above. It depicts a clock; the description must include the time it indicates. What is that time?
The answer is 11:59
